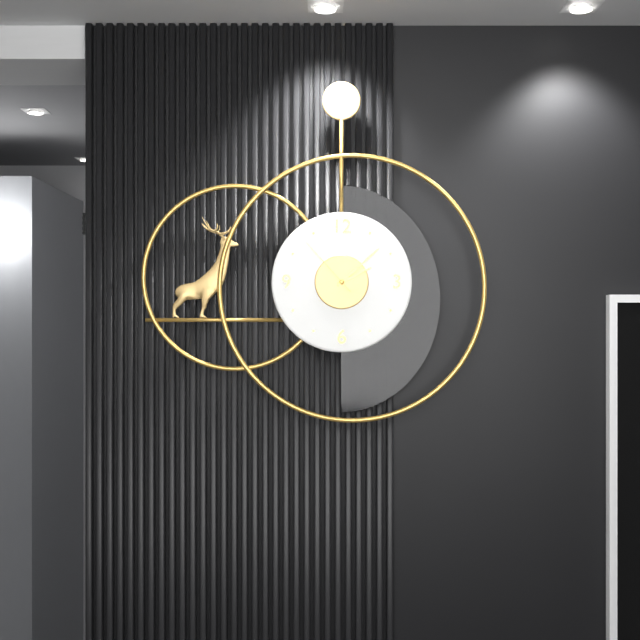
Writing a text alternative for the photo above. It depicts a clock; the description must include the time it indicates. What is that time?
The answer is 2:08:53
